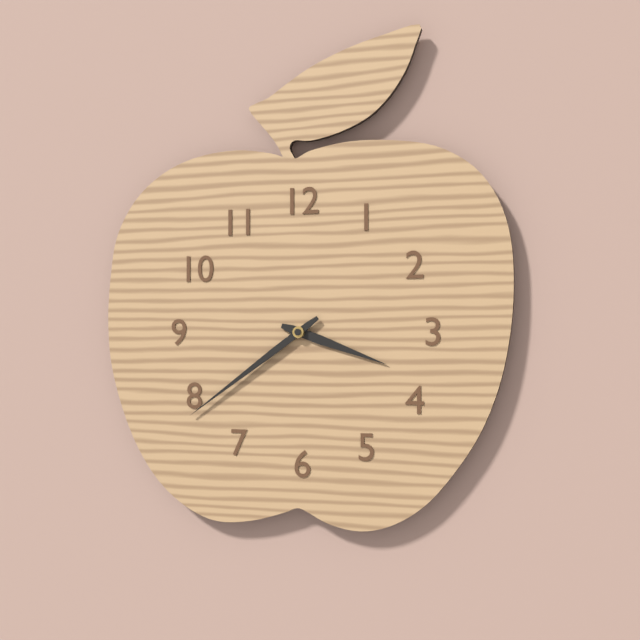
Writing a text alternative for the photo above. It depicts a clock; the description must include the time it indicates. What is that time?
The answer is 3:39
